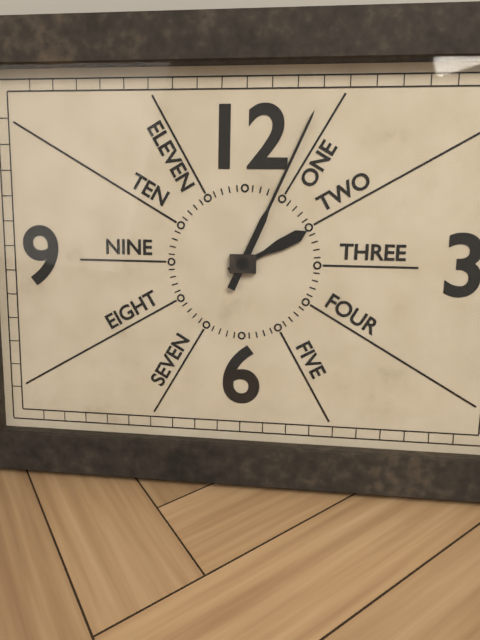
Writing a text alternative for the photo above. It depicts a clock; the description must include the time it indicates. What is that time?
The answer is 2:04
